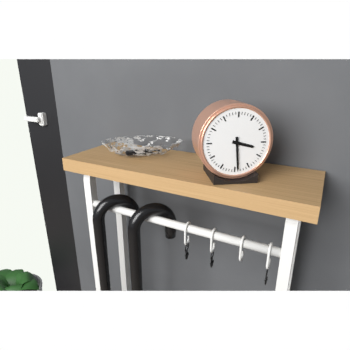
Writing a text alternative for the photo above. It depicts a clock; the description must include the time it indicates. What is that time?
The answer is 3:29
